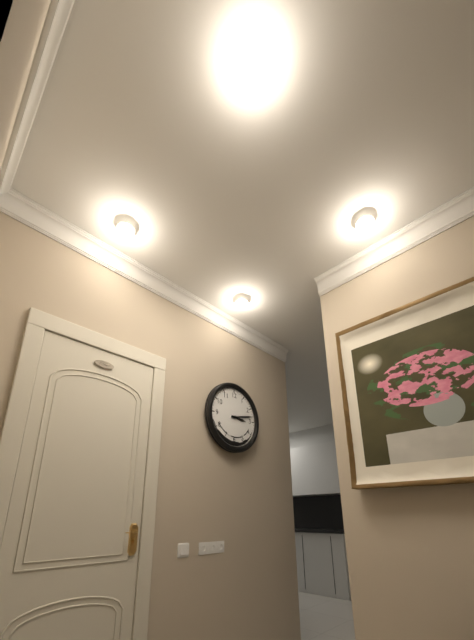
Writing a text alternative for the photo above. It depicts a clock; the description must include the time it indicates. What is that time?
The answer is 3:13
